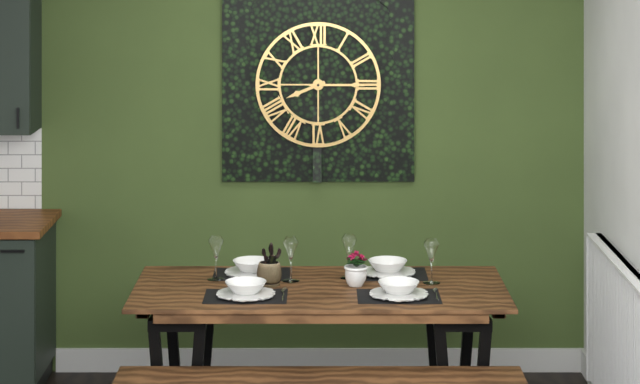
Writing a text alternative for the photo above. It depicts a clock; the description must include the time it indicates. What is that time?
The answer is 8:15
